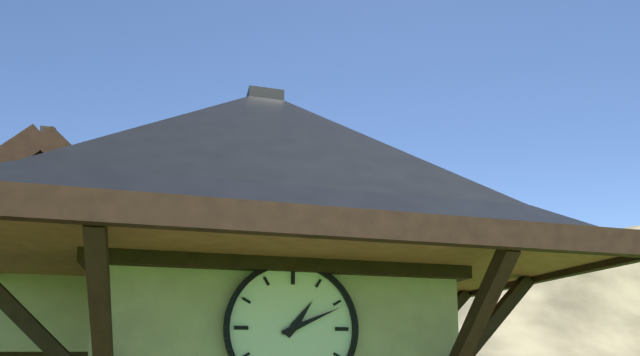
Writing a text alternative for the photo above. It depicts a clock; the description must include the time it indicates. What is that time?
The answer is 1:11
